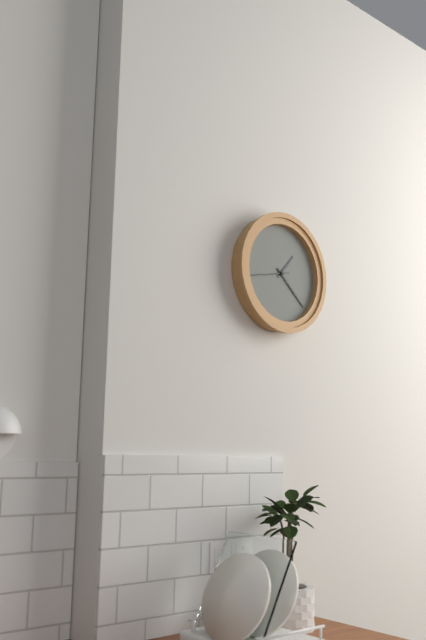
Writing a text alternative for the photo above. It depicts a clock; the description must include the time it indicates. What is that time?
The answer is 1:22
